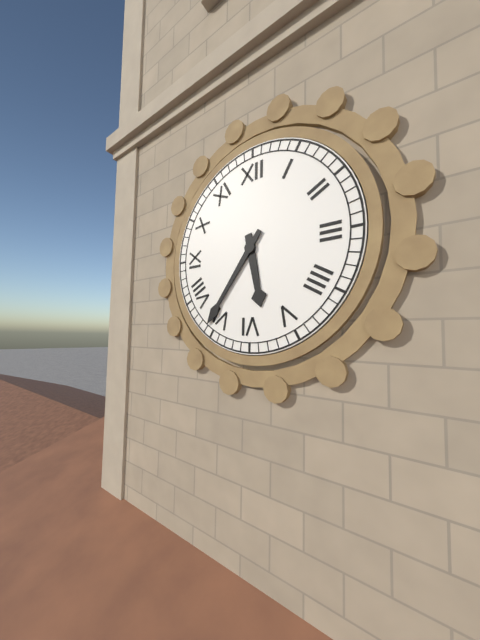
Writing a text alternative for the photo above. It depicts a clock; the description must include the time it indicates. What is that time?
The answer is 5:36
